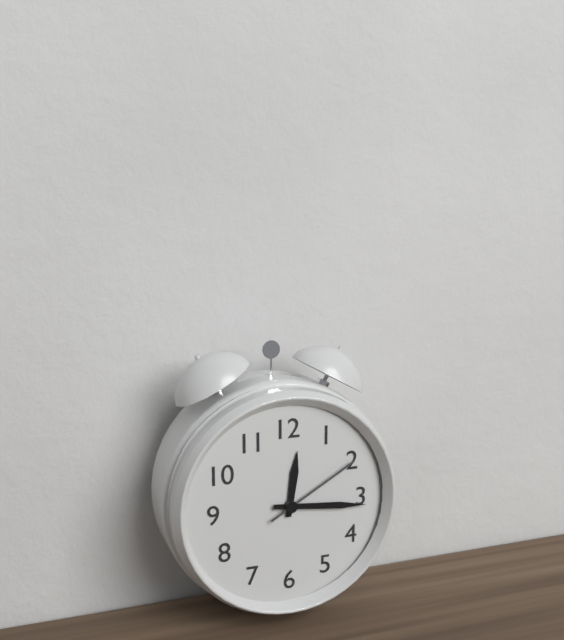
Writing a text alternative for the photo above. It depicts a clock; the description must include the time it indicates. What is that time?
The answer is 12:16:10
